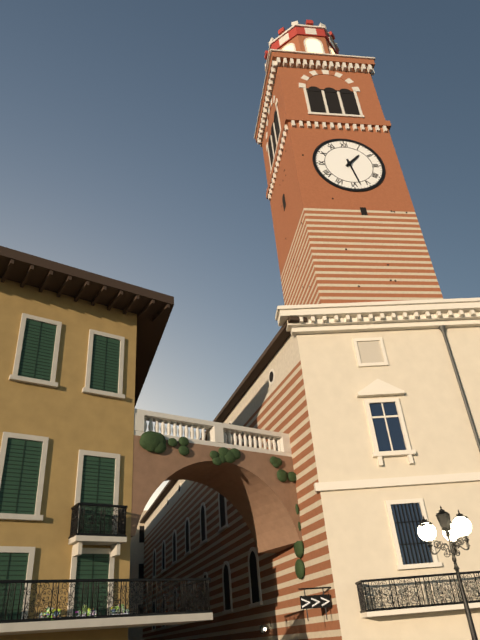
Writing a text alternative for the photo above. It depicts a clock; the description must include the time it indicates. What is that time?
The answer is 1:28
